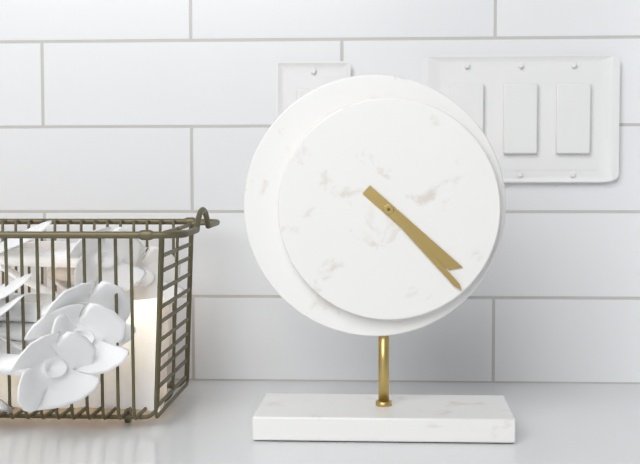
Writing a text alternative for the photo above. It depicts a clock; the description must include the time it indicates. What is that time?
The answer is 4:23
